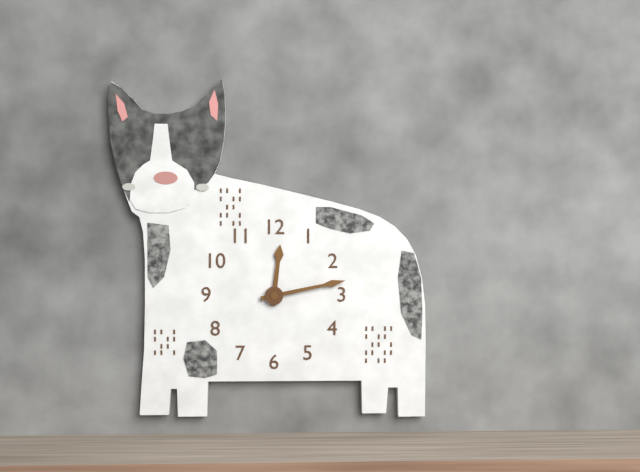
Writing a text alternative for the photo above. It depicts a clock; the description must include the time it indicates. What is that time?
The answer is 12:13
